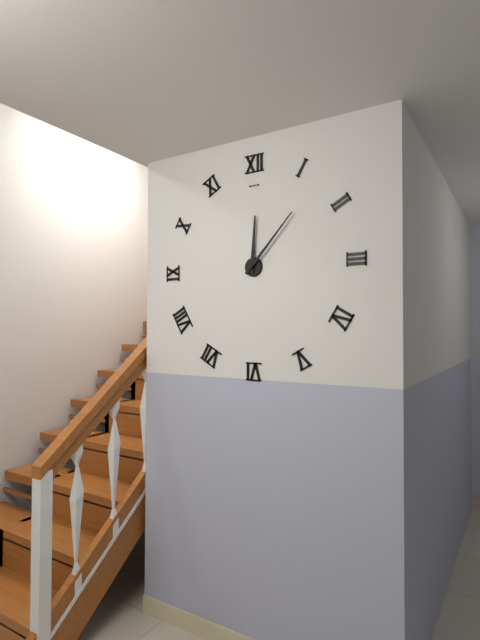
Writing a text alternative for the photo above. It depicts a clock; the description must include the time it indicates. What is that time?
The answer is 12:07
